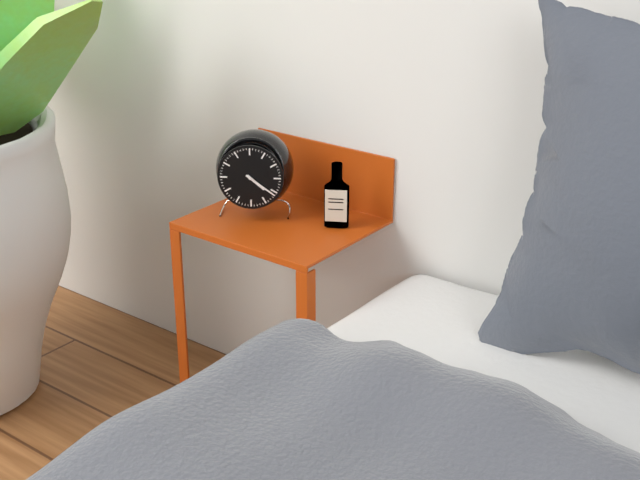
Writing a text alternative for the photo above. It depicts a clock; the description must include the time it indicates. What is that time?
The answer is 4:21
